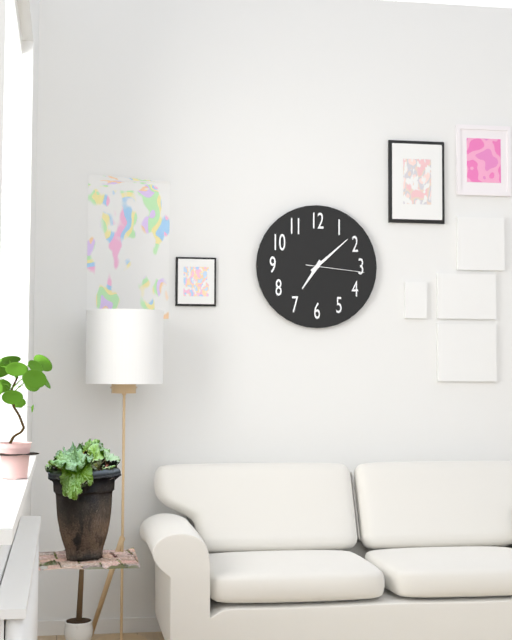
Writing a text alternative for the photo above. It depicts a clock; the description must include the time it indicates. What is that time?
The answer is 7:08:16
